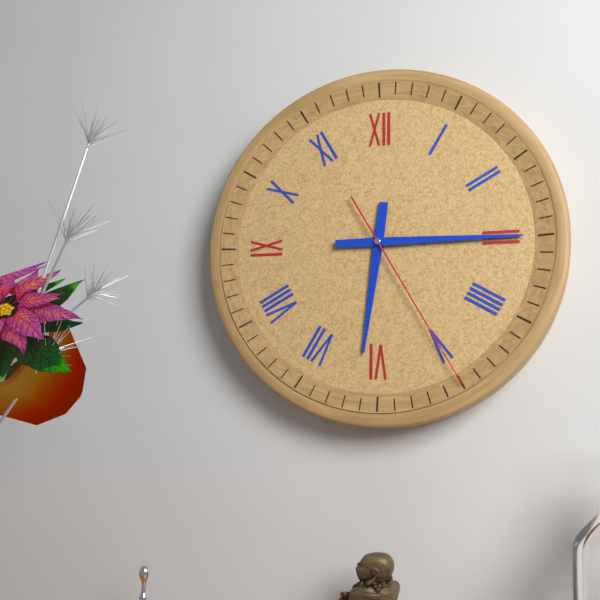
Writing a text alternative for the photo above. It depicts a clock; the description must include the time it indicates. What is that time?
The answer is 6:15:25
